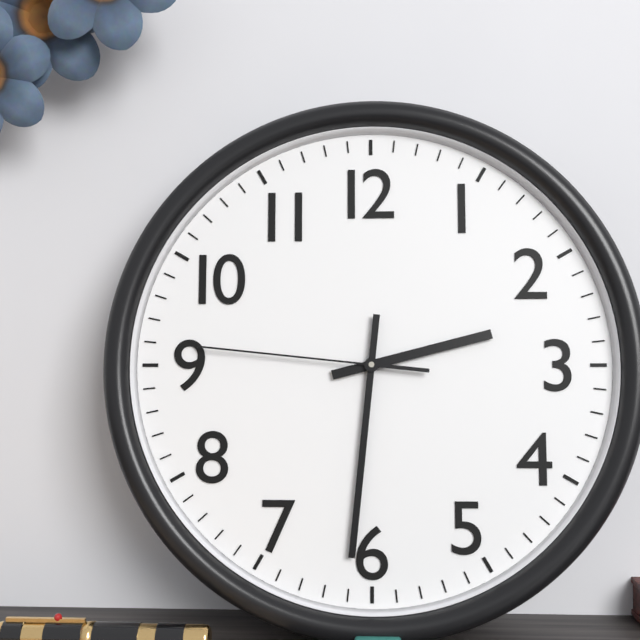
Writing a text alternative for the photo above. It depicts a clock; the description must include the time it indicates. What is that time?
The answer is 2:31:46
